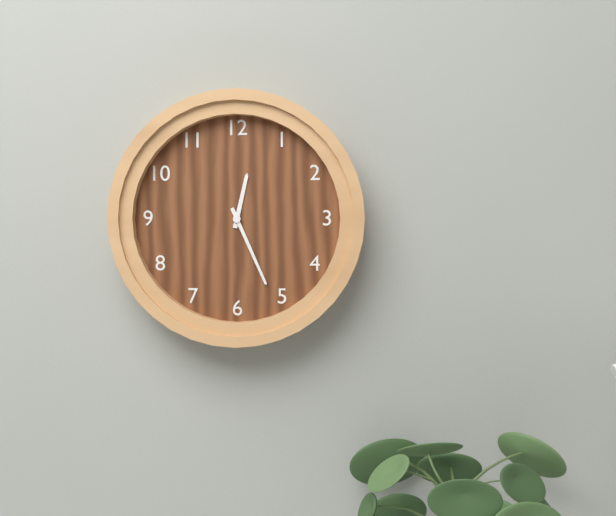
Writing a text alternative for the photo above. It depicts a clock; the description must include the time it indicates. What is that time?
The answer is 12:26
